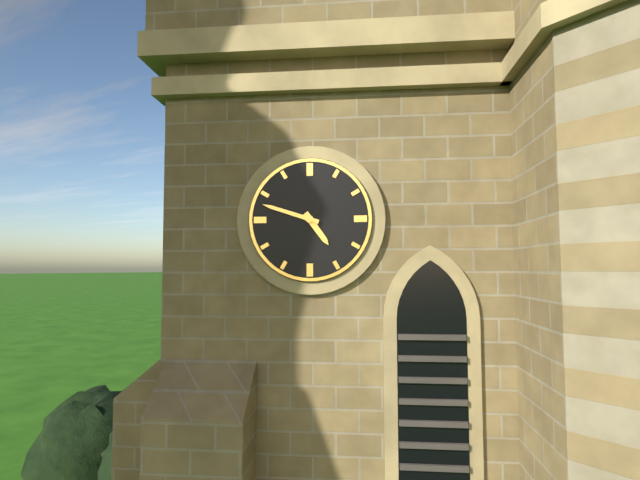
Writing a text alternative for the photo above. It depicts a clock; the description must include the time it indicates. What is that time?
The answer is 4:48
